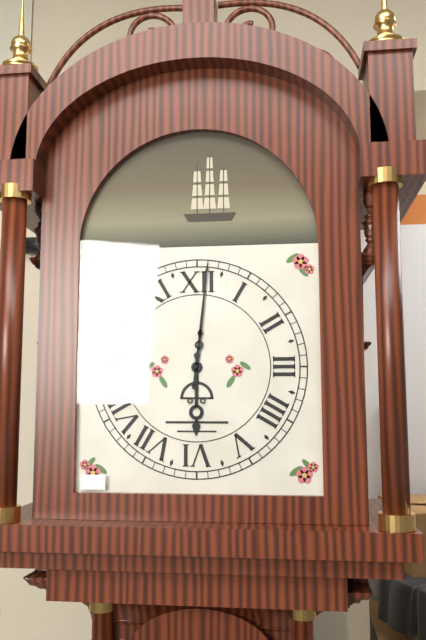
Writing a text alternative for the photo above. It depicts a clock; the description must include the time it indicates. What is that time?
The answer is 6:01
